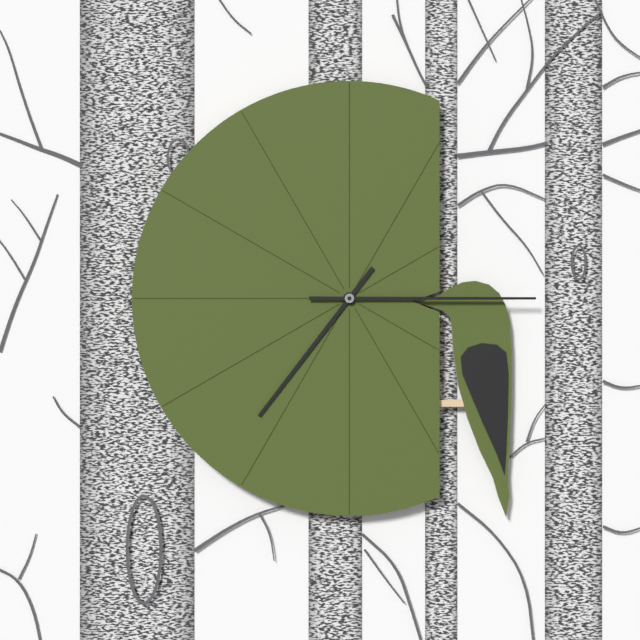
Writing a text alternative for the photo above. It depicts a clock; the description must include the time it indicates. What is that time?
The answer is 7:15
